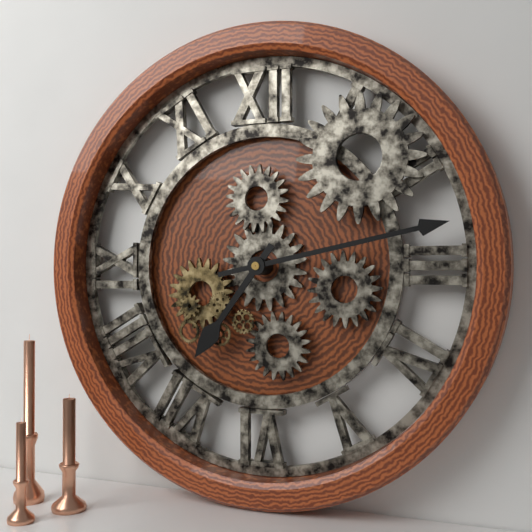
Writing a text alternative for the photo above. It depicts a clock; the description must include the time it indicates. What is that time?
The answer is 7:13
